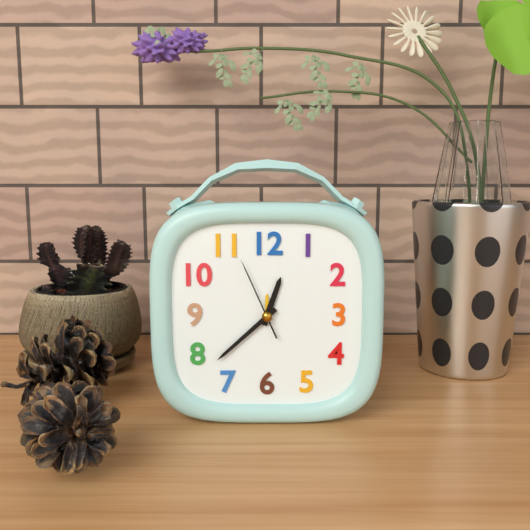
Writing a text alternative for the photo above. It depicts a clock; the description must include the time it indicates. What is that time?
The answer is 12:38:56
